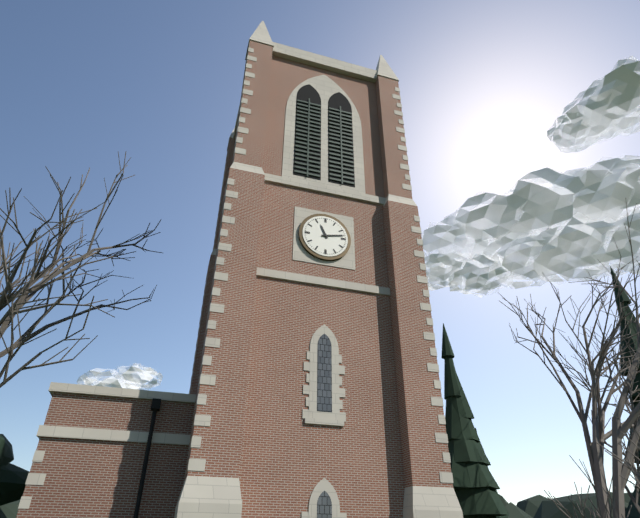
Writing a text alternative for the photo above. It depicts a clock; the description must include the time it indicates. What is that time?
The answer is 11:13
